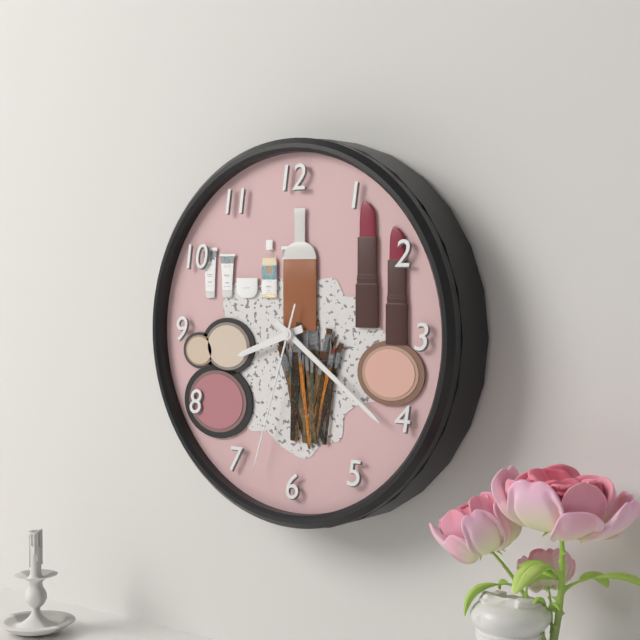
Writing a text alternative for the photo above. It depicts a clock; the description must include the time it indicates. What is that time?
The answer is 8:21:33
